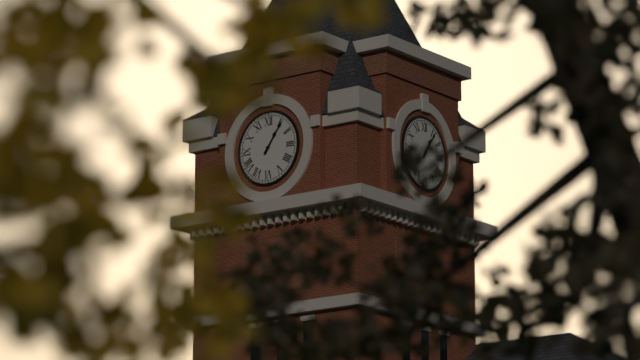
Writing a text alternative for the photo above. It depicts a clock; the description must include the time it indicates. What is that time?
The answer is 1:06
